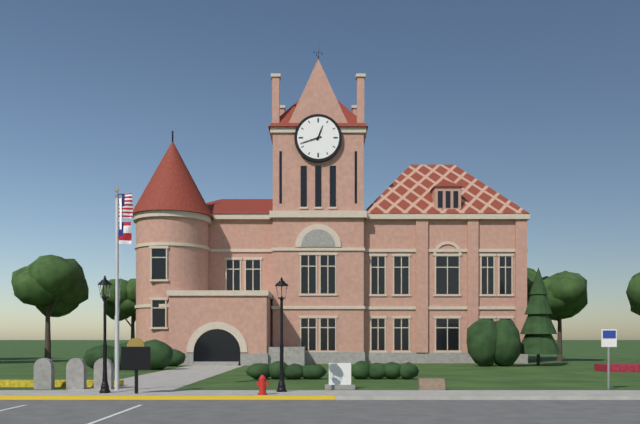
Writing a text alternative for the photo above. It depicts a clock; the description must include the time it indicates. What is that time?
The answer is 12:42
